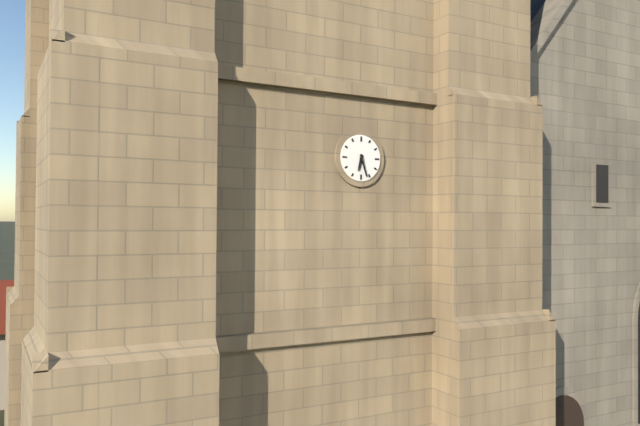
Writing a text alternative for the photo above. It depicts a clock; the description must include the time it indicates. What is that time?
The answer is 6:27
